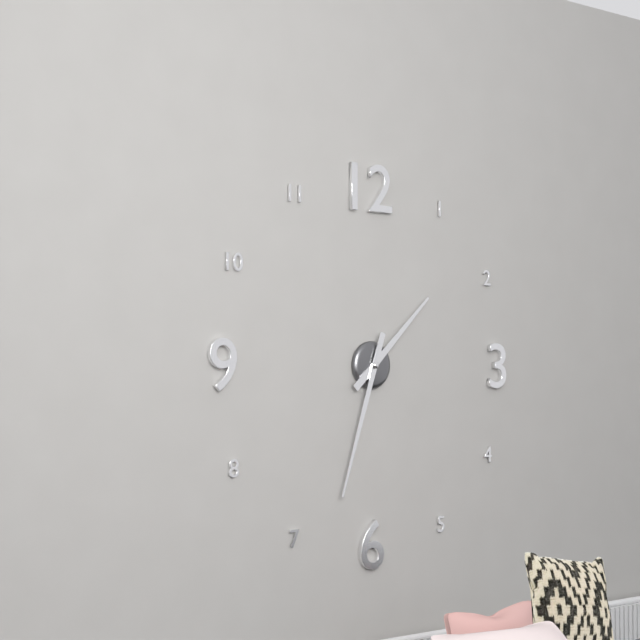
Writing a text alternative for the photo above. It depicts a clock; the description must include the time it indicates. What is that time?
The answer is 1:33
